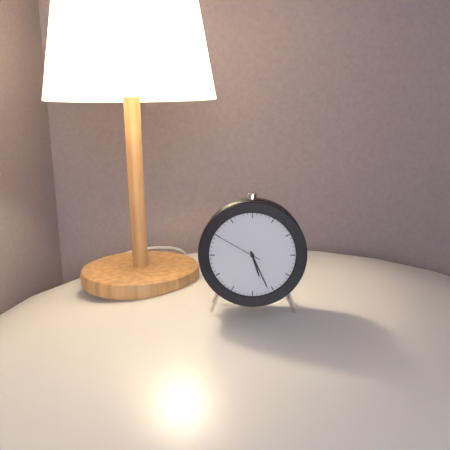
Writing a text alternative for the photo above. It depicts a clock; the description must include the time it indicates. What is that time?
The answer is 5:26:50
